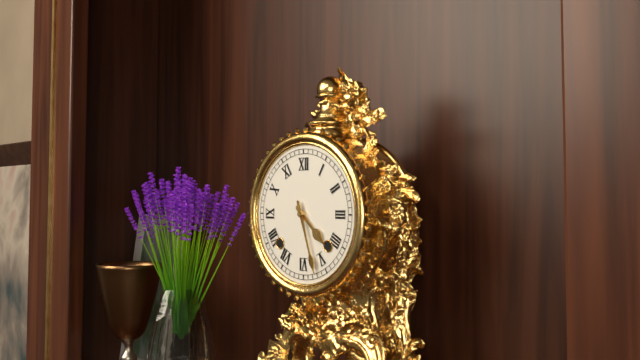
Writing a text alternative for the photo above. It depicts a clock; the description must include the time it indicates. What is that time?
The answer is 4:27
